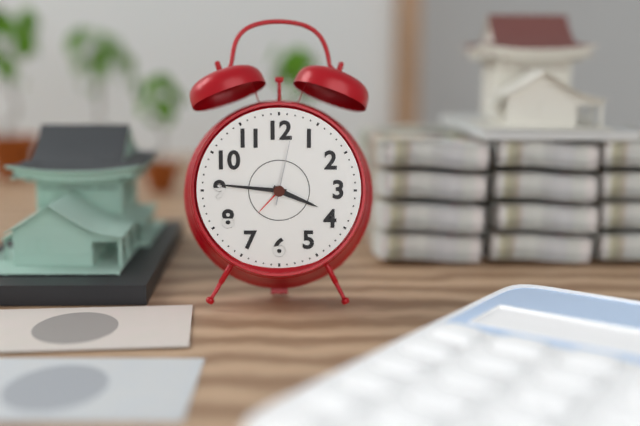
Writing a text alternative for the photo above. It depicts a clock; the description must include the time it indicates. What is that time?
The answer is 3:46:02
